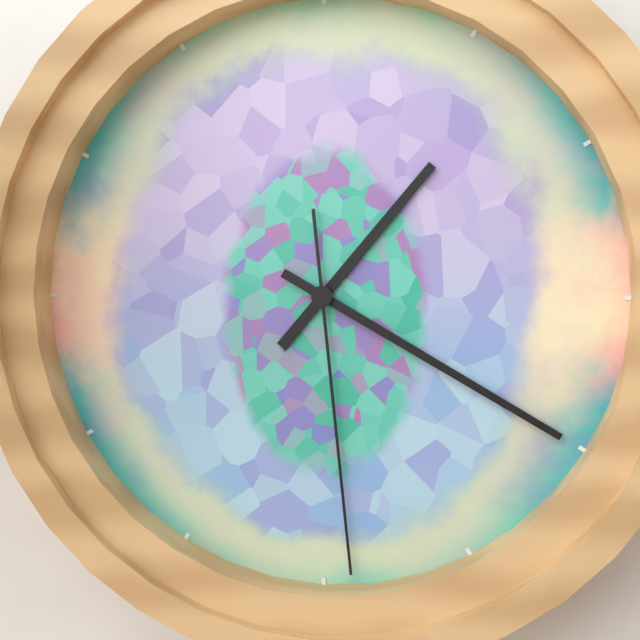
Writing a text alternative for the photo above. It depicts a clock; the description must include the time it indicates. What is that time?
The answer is 1:20:29
